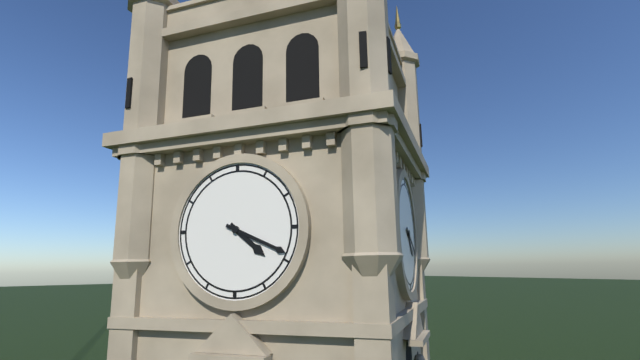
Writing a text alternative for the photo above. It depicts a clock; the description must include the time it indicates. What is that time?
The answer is 4:19
